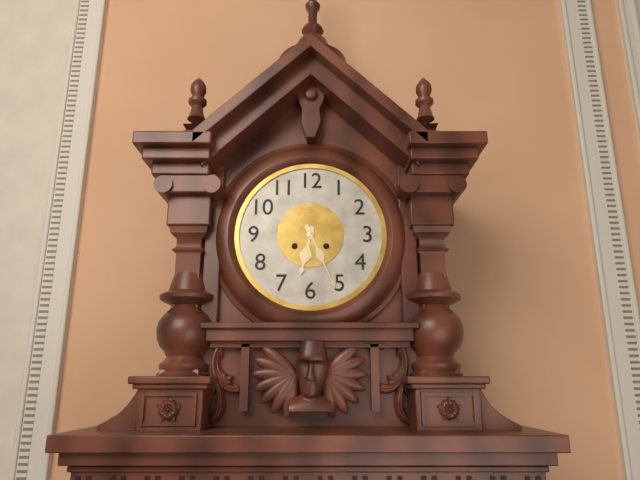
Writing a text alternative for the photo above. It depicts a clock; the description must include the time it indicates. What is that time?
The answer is 6:26
